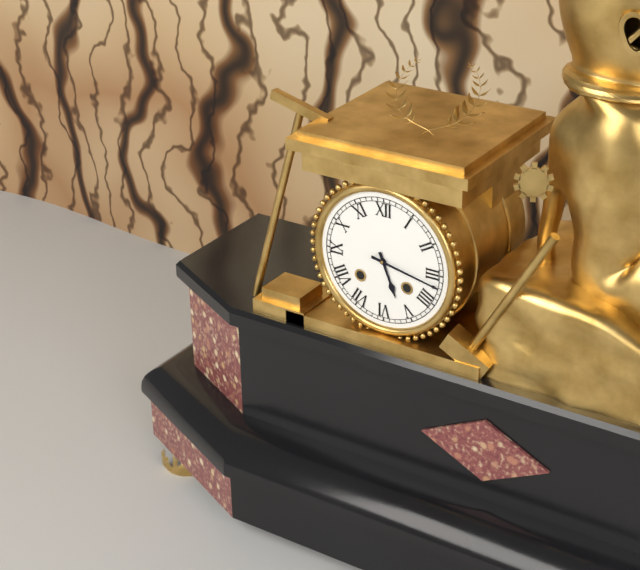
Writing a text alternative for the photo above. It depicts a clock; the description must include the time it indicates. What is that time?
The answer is 5:17
